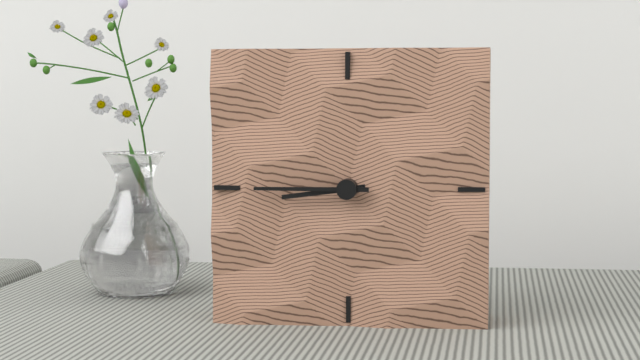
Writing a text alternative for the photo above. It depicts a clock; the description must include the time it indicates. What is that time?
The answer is 8:45
